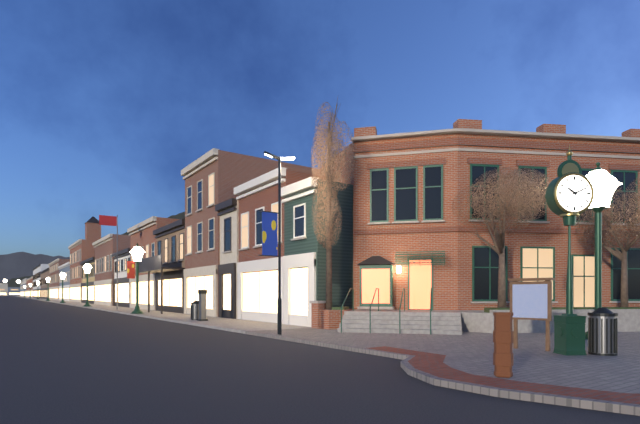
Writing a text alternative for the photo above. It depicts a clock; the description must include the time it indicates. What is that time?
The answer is 10:11
